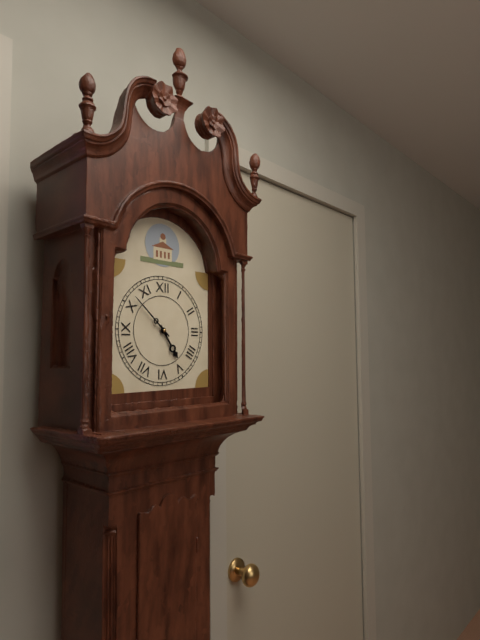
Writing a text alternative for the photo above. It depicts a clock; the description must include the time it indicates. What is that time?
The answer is 4:52
